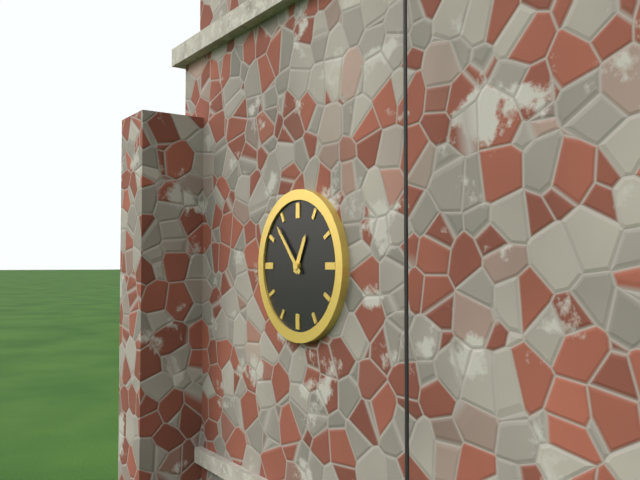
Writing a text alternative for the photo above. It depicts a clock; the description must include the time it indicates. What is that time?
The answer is 12:53
